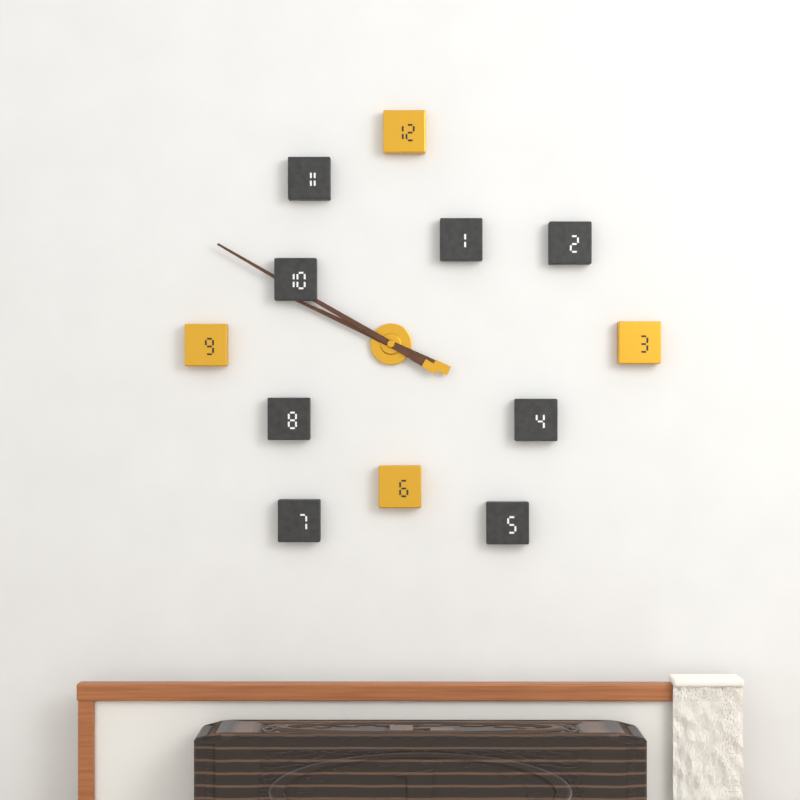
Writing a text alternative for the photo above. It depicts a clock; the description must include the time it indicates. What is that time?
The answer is 9:50
